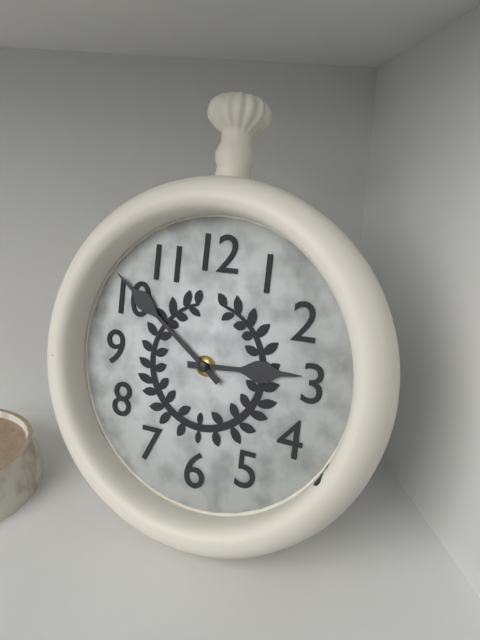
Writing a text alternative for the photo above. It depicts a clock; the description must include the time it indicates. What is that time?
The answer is 2:51
